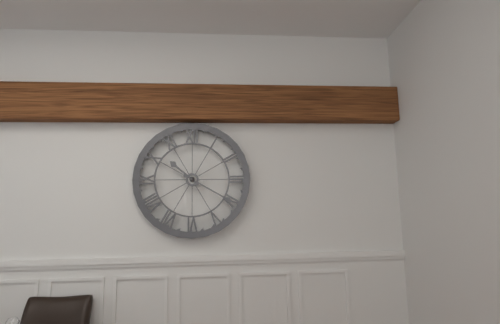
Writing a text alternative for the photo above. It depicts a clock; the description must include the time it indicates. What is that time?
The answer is 10:20
